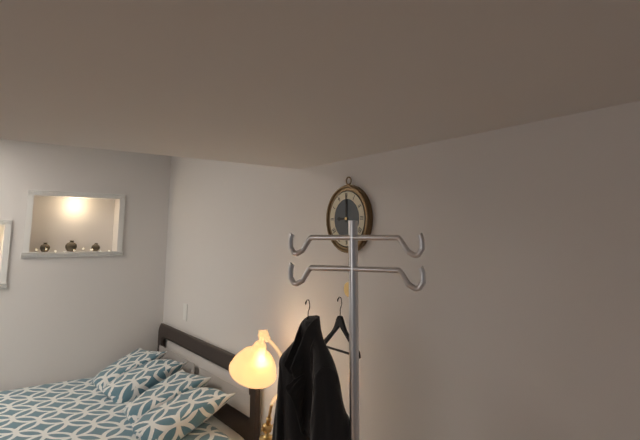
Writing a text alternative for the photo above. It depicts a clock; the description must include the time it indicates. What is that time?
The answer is 9:00
